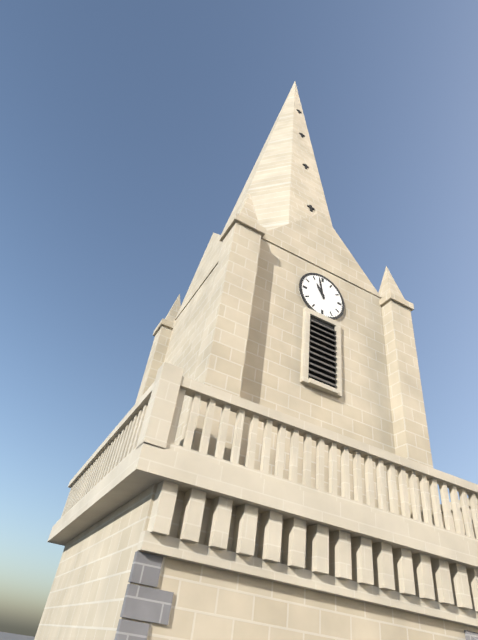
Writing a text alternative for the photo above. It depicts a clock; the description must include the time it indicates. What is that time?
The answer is 10:58
